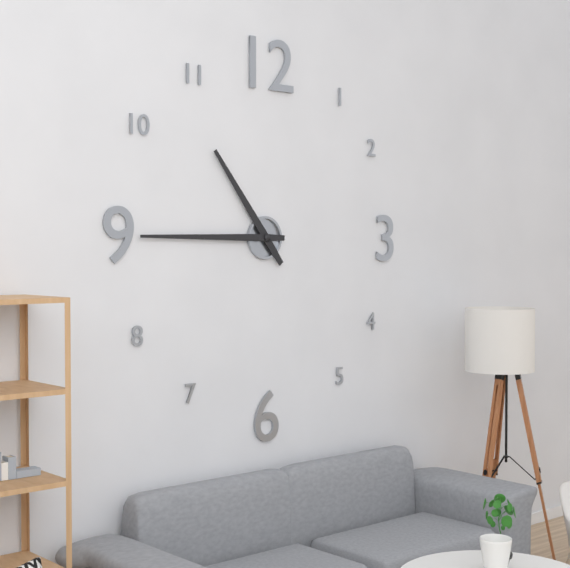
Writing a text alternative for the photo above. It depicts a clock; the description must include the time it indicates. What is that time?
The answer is 10:45
